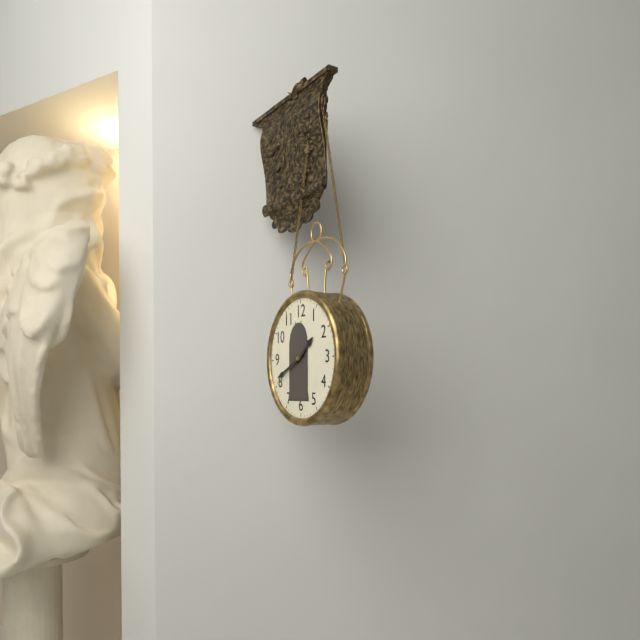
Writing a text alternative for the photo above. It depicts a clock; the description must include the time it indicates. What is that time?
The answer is 1:41
